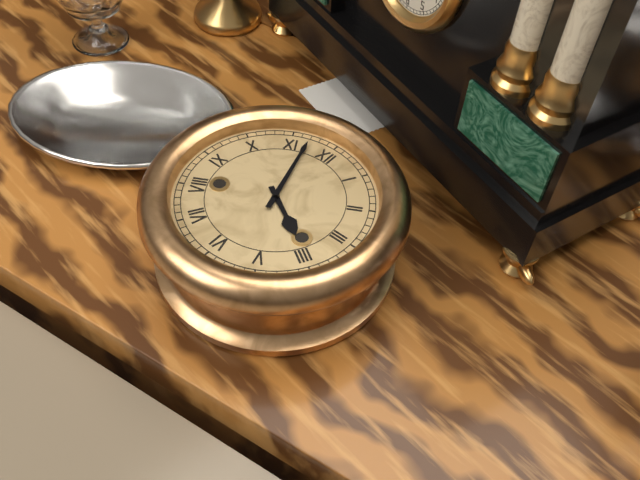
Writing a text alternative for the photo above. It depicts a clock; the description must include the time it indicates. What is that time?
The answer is 3:57
